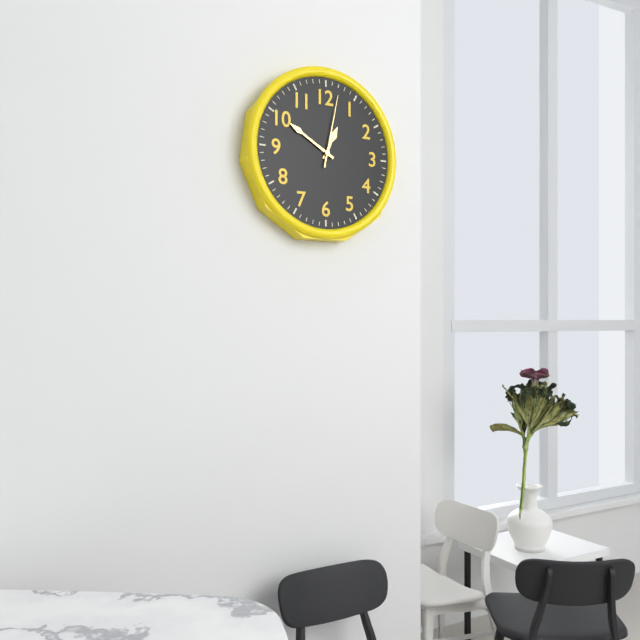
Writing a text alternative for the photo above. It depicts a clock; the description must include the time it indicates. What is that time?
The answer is 12:50:02
